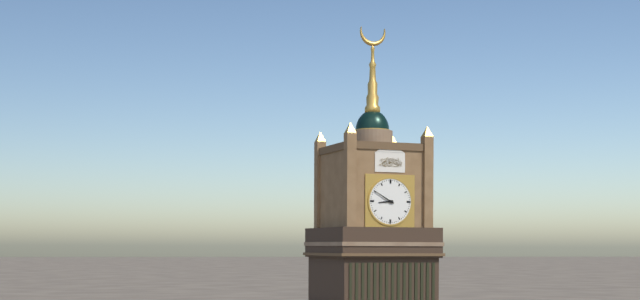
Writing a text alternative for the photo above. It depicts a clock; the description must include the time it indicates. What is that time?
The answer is 8:50
